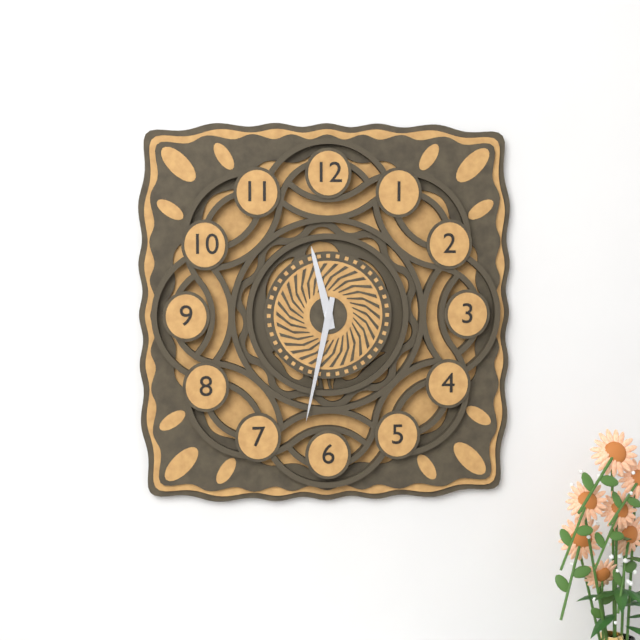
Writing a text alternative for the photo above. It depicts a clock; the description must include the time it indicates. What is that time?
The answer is 11:32
